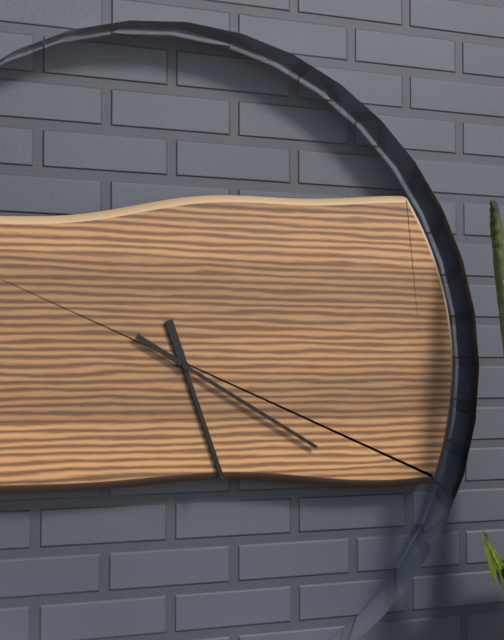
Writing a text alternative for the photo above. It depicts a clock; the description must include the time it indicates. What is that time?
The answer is 5:20
